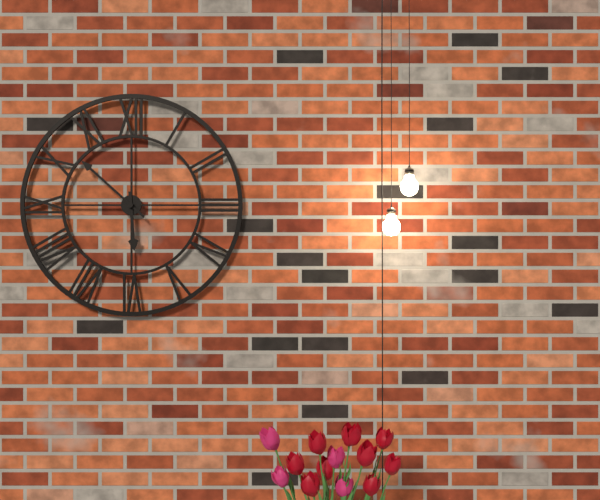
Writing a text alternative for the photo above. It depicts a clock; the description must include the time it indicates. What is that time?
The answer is 5:52
